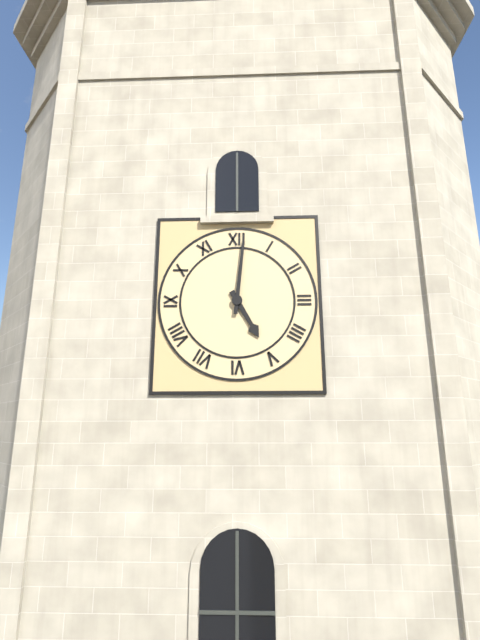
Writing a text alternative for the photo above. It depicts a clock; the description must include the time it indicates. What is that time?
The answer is 5:01
